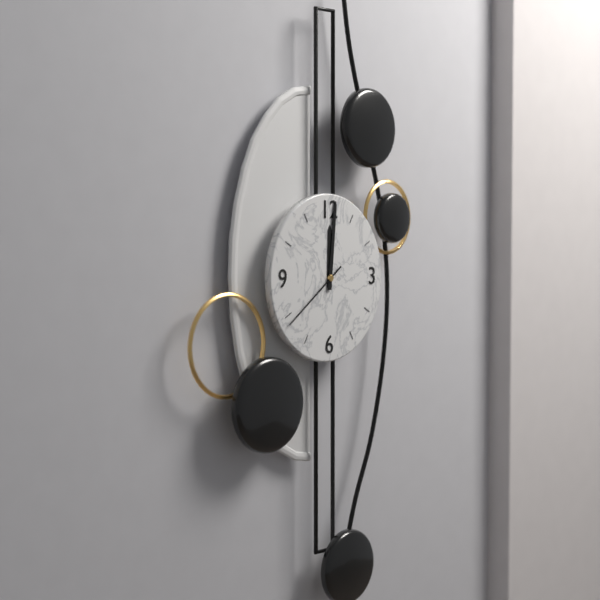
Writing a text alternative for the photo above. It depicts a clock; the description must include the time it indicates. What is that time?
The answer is 12:01:39
